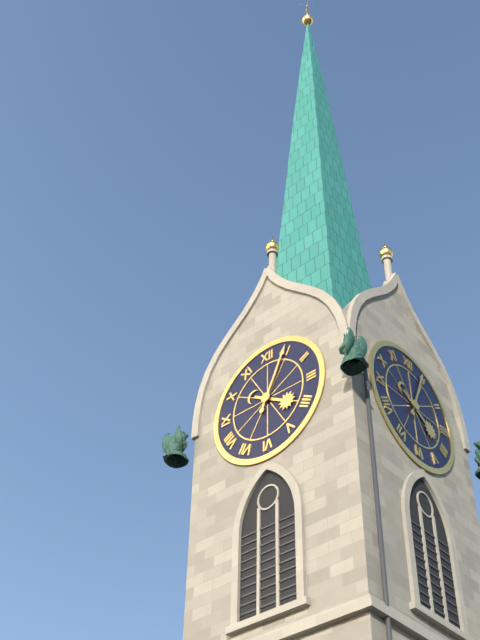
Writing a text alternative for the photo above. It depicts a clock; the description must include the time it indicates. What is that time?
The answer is 4:04
